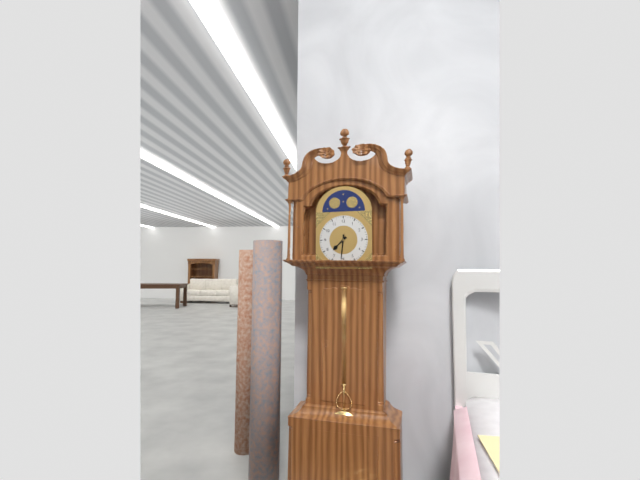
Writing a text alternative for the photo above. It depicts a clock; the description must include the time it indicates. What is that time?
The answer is 7:31
